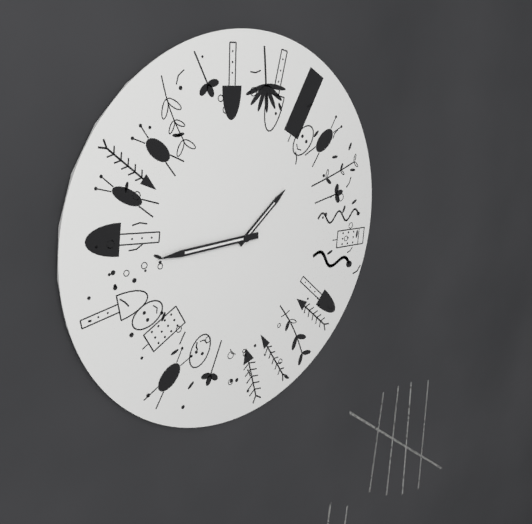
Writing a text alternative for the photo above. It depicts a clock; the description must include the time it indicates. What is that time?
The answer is 1:45
